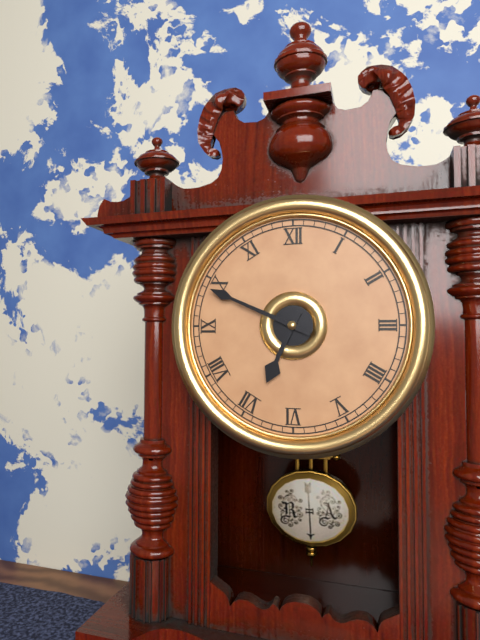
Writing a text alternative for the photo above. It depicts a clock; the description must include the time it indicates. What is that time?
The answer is 6:49
